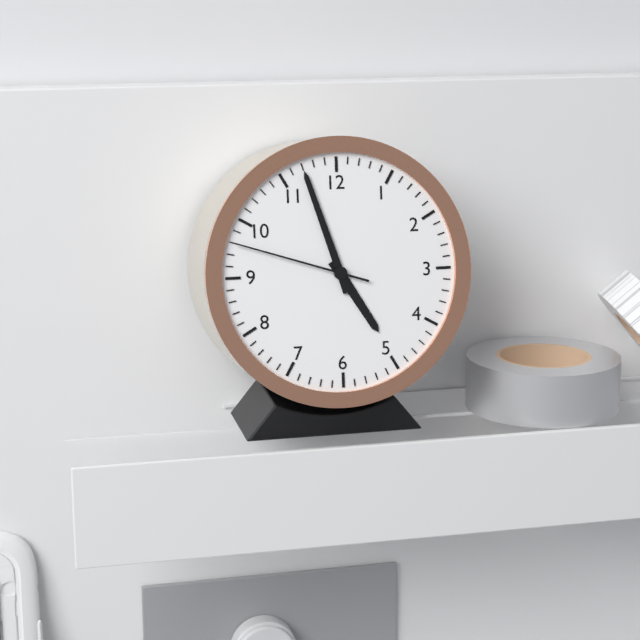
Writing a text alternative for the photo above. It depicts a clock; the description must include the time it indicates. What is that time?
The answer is 4:57:48
